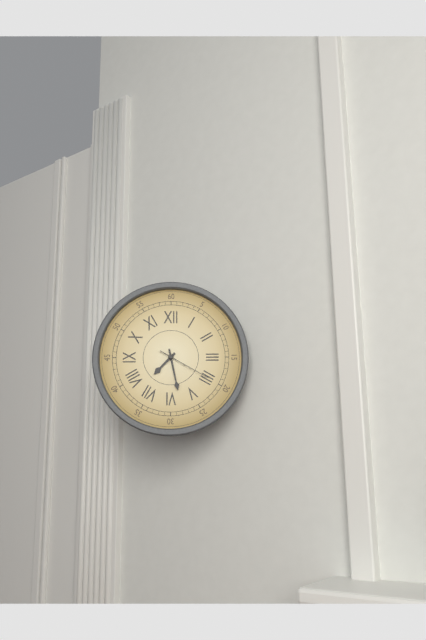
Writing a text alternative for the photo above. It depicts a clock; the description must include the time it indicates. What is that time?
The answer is 7:28:20
